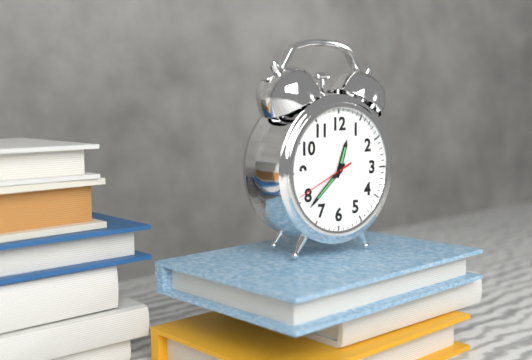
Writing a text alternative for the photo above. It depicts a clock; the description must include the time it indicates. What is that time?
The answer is 12:38:41
